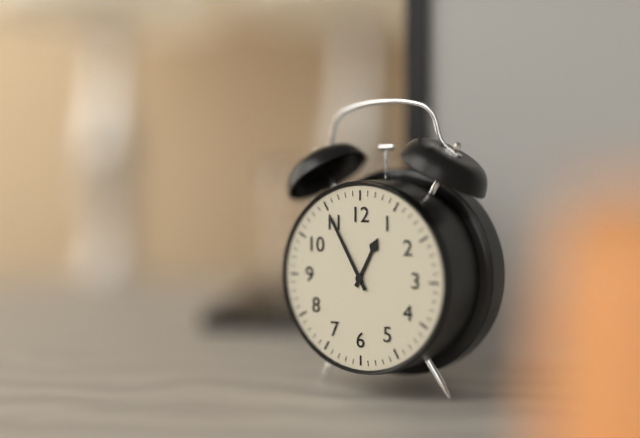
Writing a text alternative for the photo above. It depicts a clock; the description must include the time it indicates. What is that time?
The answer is 12:55
